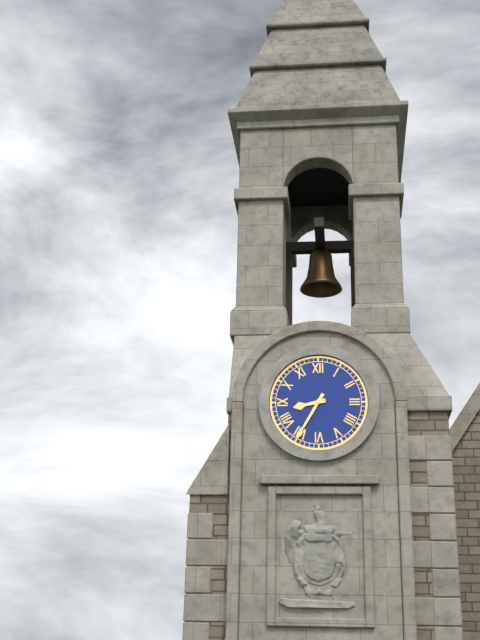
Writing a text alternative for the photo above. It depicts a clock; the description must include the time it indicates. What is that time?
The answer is 8:35
